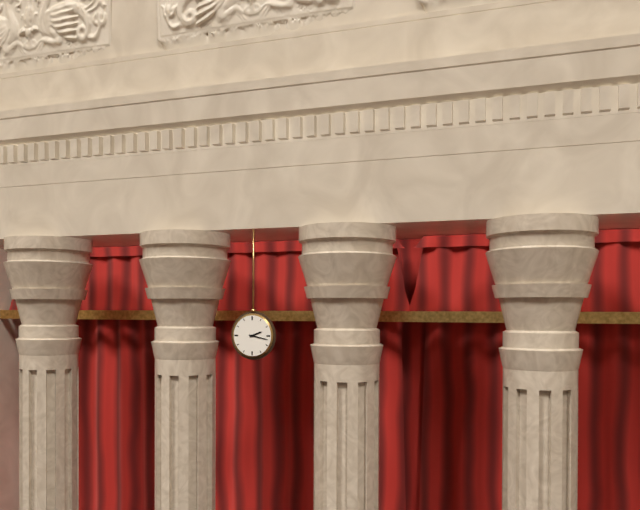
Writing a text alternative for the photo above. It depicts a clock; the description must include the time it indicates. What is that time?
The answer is 2:17
